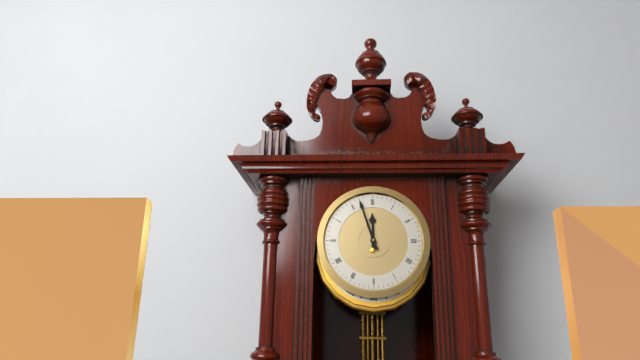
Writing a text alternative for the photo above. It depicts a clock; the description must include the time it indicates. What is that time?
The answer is 11:57
